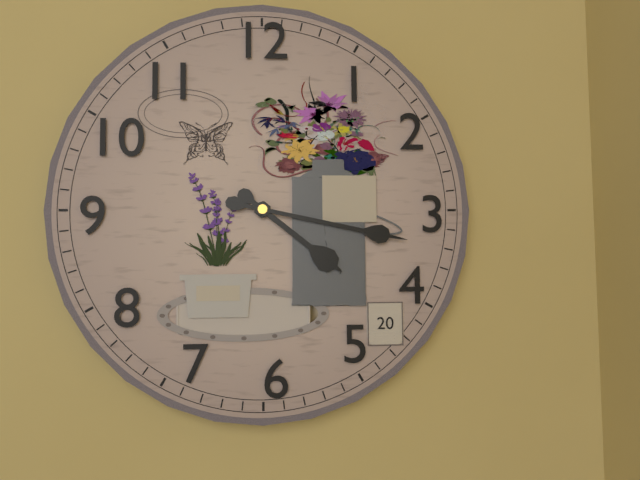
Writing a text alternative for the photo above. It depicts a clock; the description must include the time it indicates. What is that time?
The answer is 4:17
